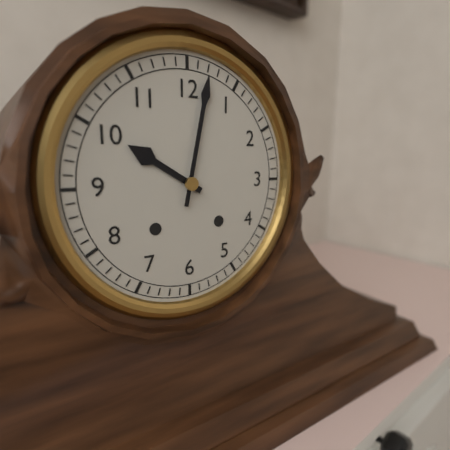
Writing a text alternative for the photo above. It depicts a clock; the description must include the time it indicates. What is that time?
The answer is 10:02
